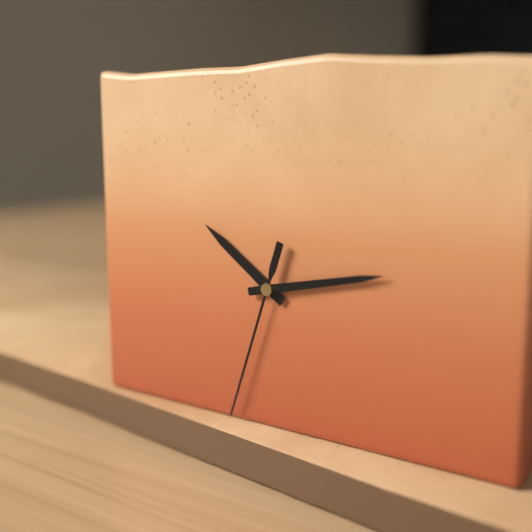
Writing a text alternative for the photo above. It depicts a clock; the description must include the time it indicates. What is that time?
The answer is 10:13:33
